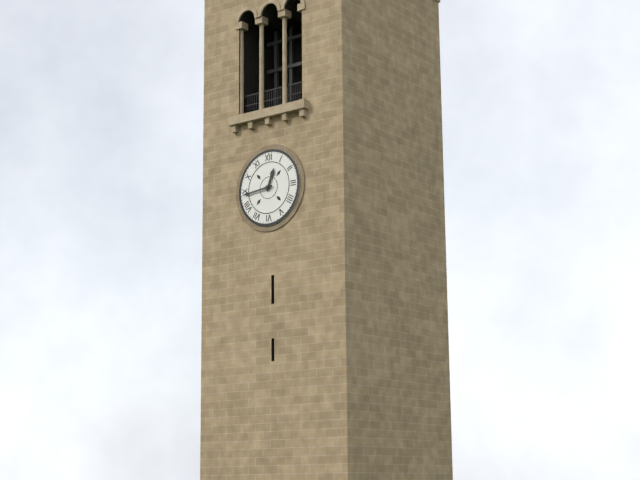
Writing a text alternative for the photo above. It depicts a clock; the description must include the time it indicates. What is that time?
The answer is 12:44
